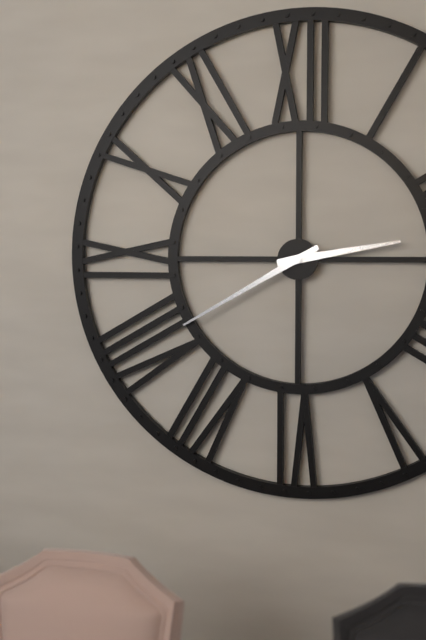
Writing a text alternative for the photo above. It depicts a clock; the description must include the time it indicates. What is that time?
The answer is 2:40
